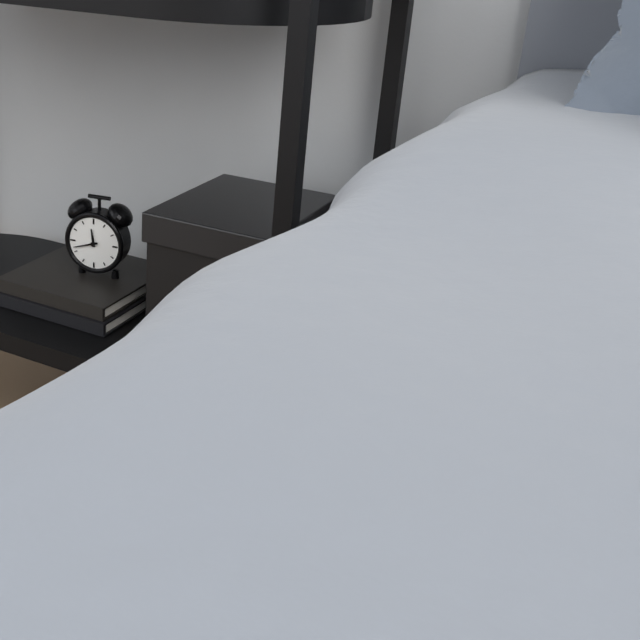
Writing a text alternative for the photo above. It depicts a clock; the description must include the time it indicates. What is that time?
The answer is 11:42
